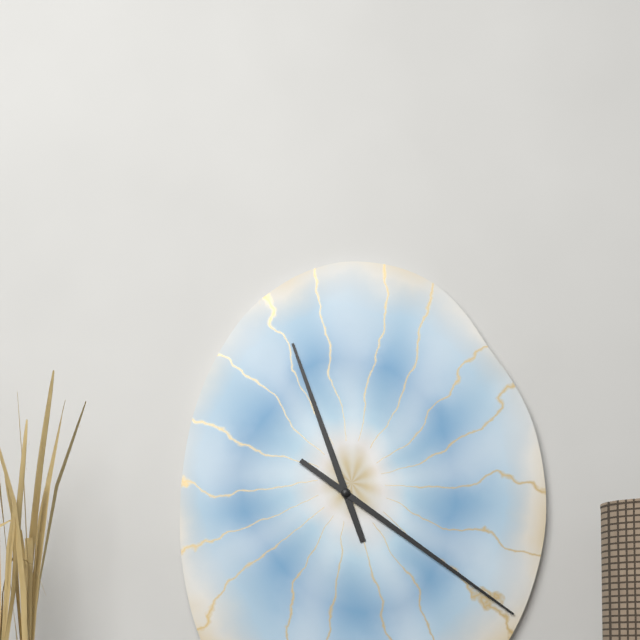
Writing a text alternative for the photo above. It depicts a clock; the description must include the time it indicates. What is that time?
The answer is 11:21
